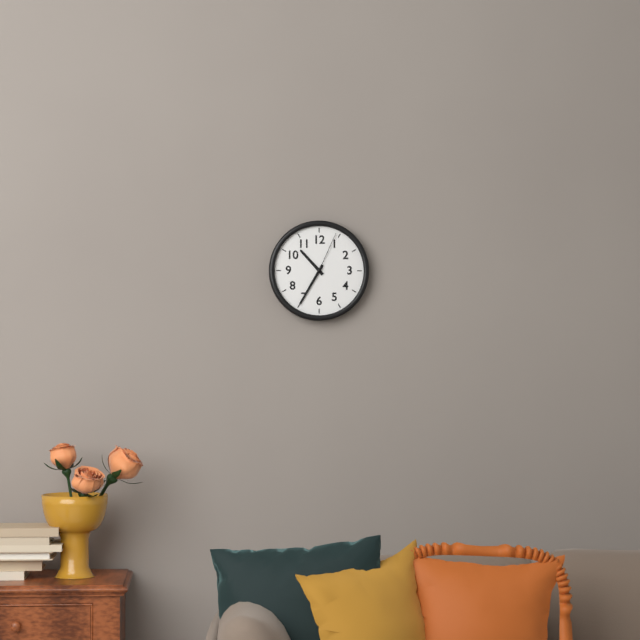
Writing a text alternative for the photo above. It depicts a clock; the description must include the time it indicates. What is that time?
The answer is 10:35:04
